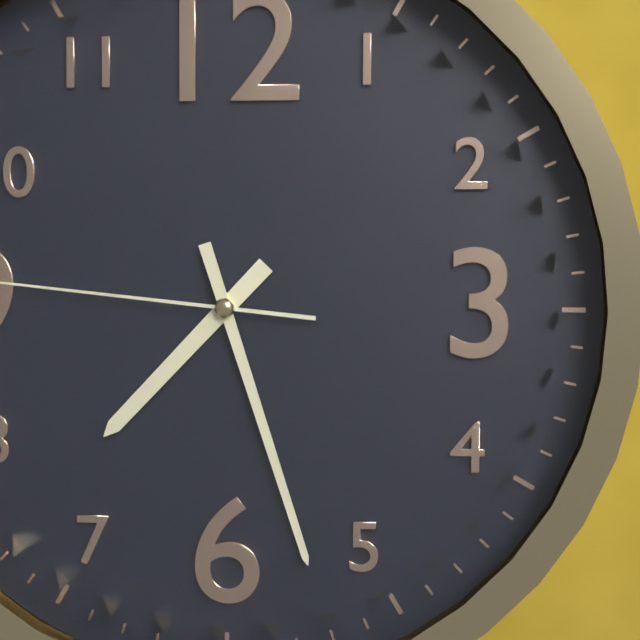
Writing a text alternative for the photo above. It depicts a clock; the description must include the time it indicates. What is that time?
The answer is 7:27
